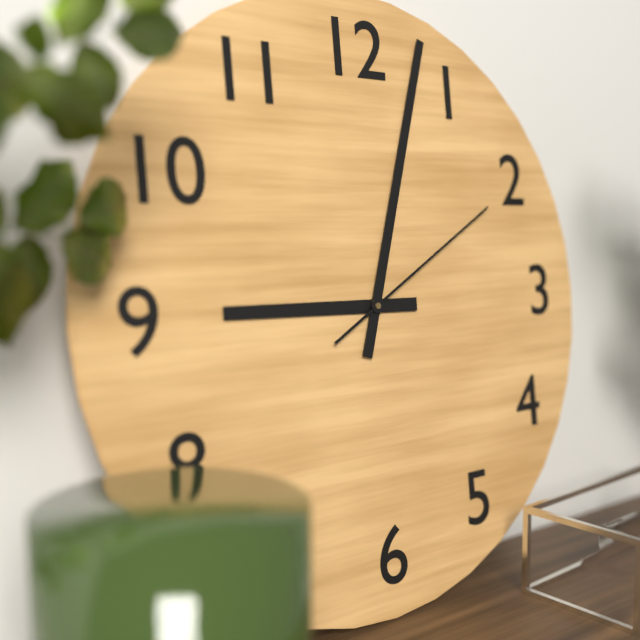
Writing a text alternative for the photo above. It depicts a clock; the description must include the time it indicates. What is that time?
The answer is 9:03:10
